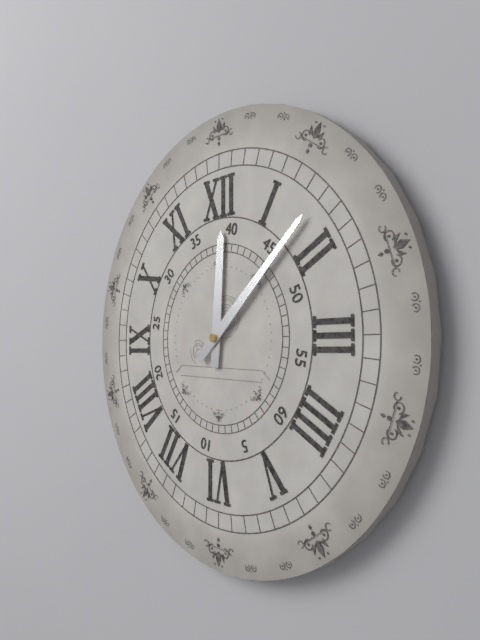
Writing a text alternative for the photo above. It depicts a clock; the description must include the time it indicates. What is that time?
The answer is 12:08
